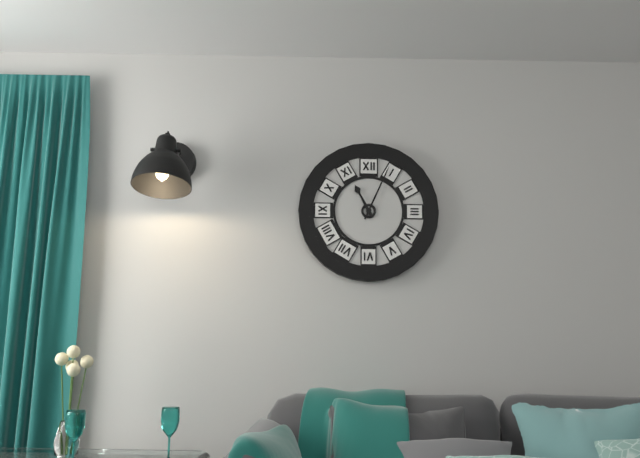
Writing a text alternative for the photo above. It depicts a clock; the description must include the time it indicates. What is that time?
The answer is 11:04
